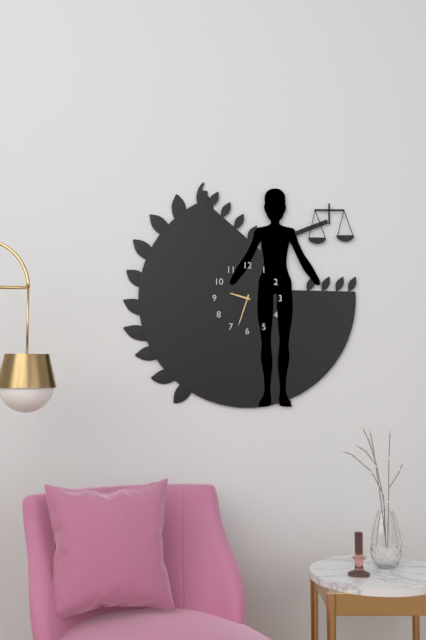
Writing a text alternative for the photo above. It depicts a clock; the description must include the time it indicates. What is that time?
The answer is 9:33
